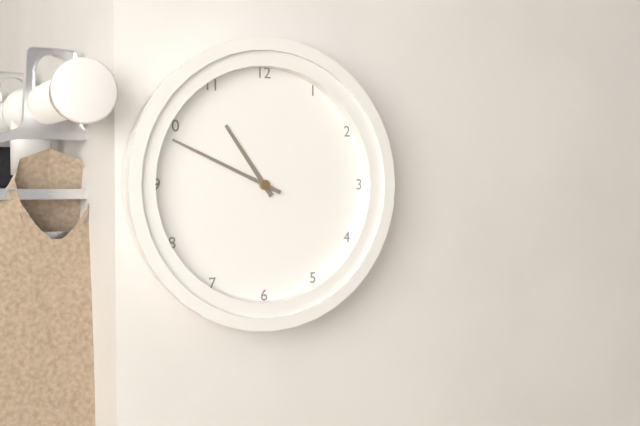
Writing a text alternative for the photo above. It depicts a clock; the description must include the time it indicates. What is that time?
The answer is 10:49
